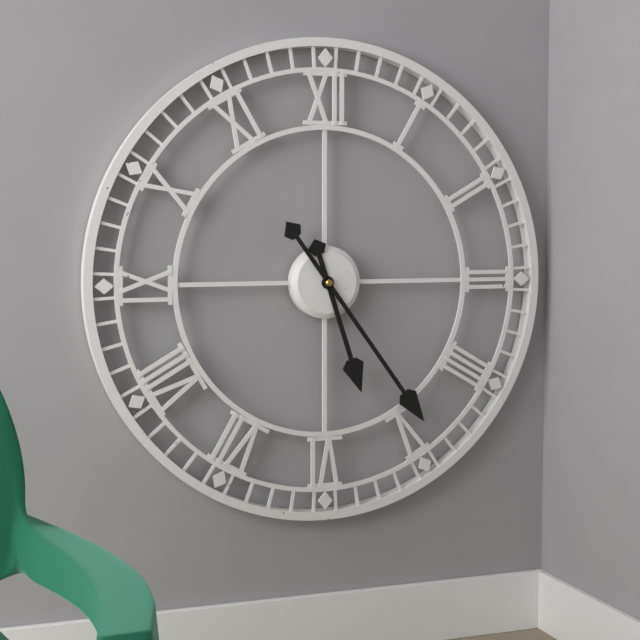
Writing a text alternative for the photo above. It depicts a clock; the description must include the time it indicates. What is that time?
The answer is 5:24
